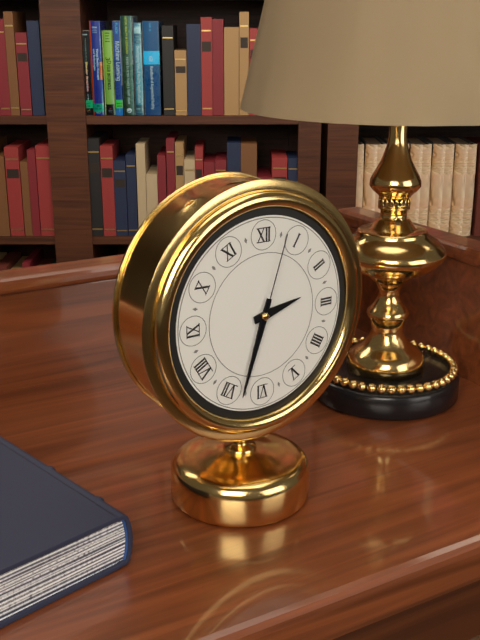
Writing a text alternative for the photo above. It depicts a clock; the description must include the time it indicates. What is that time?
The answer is 2:33:03
